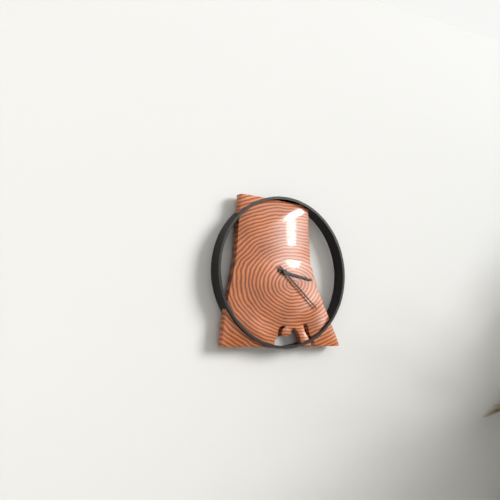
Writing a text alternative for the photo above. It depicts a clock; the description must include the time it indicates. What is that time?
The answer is 3:22
